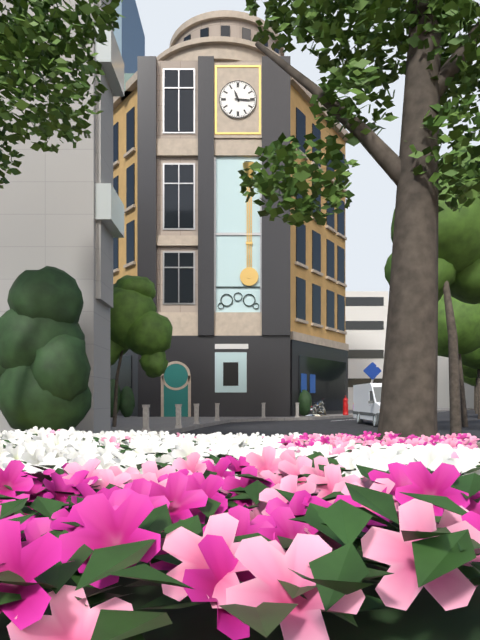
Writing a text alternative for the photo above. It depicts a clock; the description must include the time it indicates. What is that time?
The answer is 11:16
